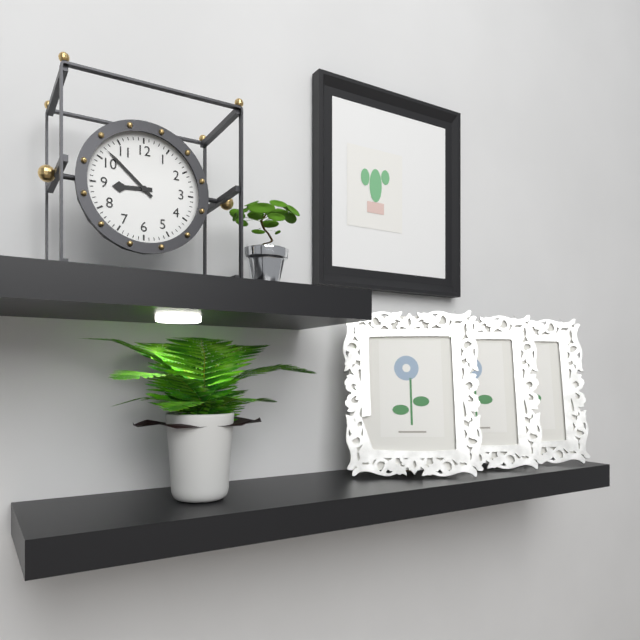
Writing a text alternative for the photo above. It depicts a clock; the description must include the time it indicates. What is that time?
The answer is 8:52
